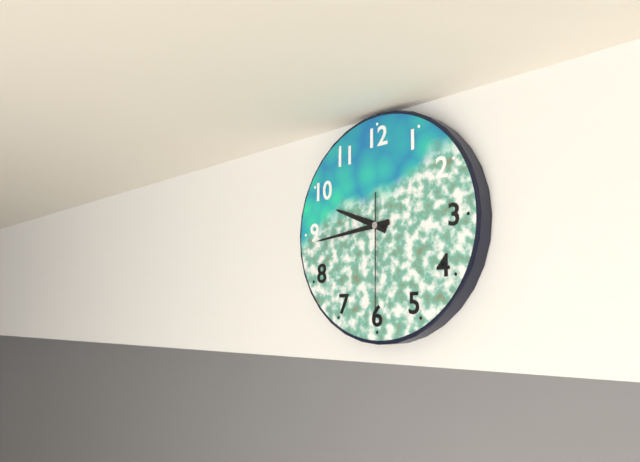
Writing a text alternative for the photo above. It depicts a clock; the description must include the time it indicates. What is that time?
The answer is 9:44:30
